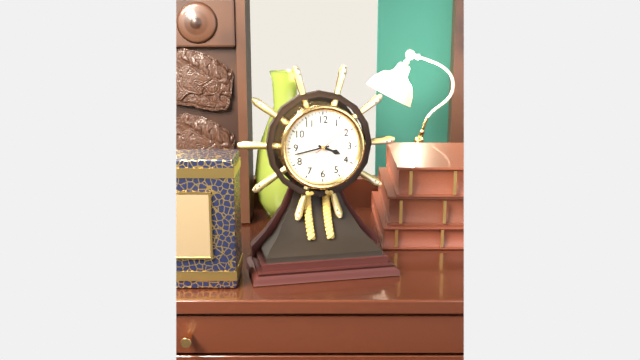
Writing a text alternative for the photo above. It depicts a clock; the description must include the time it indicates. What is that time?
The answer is 3:43
